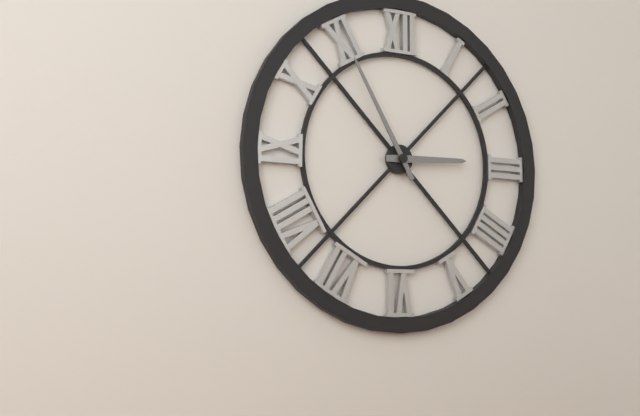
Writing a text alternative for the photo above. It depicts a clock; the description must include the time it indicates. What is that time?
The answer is 2:55
